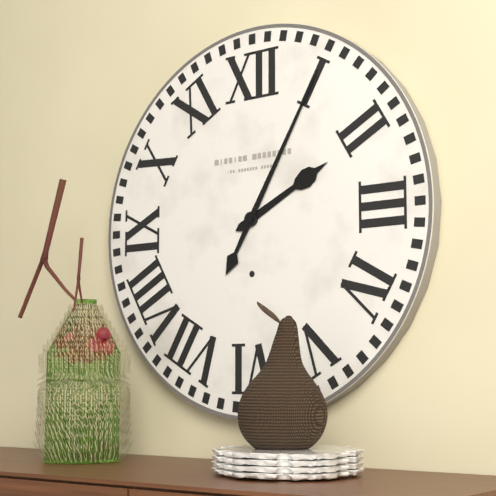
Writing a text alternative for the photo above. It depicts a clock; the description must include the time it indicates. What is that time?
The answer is 2:05
